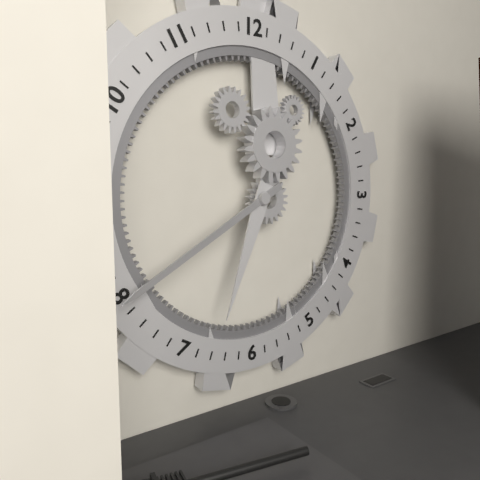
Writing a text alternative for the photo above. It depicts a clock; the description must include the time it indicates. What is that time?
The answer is 6:40
